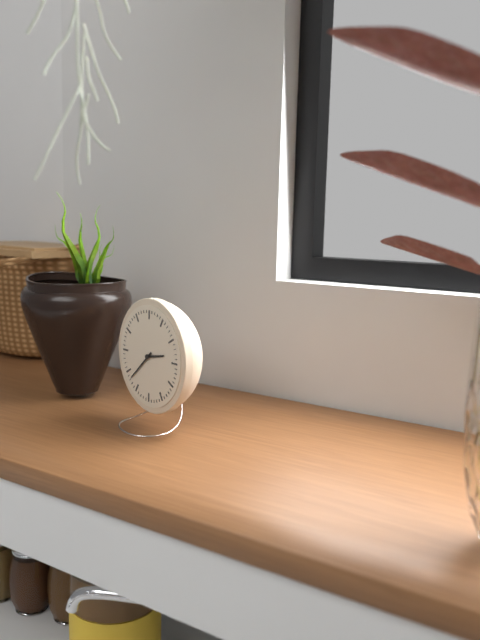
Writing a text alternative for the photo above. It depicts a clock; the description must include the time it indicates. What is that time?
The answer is 2:38
